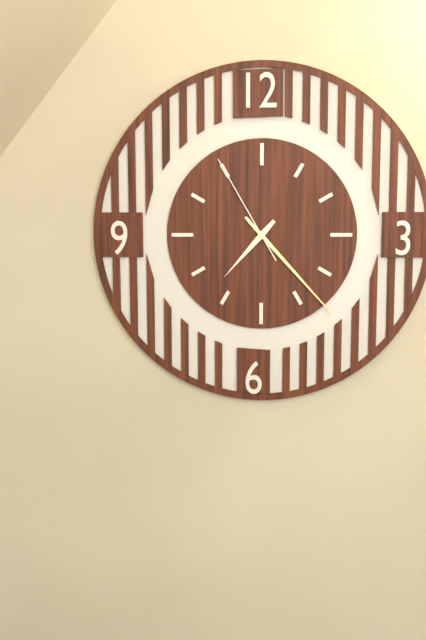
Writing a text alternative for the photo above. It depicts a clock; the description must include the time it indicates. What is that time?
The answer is 7:23:55
